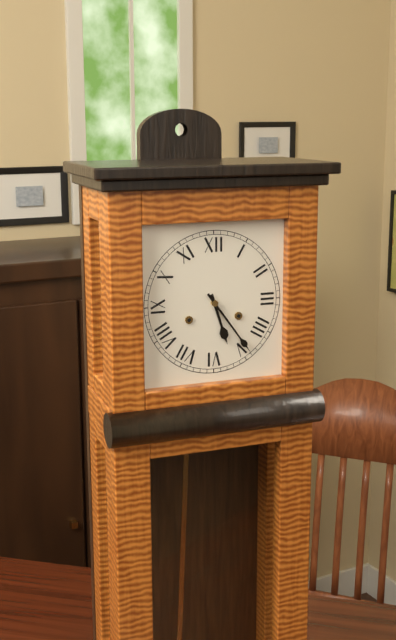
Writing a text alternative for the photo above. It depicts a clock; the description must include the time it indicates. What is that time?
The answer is 5:24
